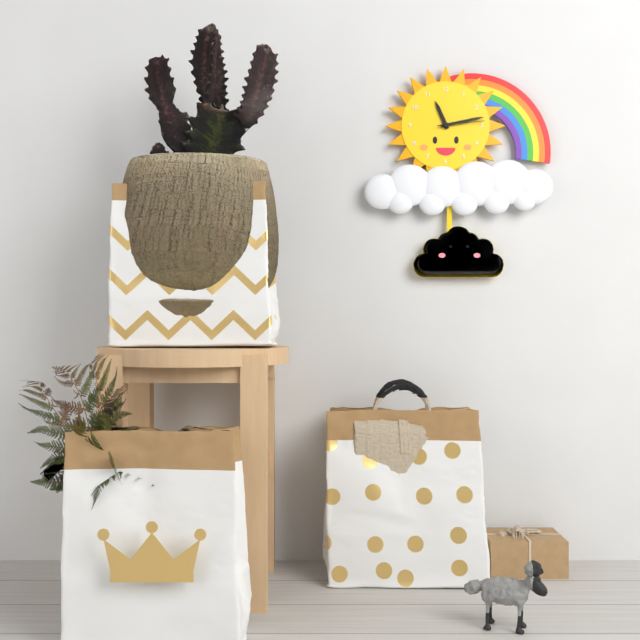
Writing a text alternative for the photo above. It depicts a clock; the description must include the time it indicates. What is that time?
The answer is 11:13
